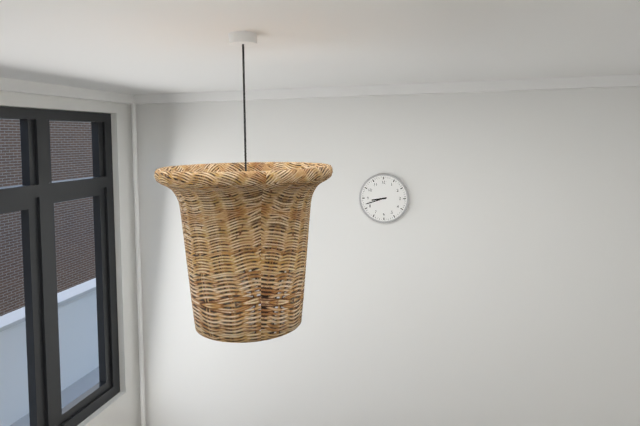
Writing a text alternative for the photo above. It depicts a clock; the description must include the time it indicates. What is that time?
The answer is 8:42
